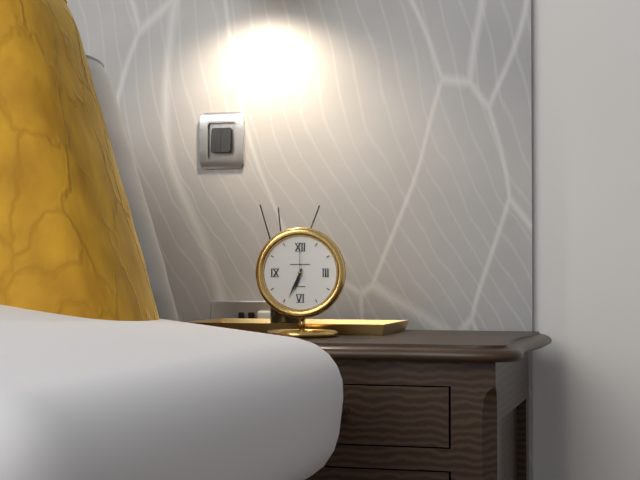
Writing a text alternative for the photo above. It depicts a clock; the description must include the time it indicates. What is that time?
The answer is 6:34
